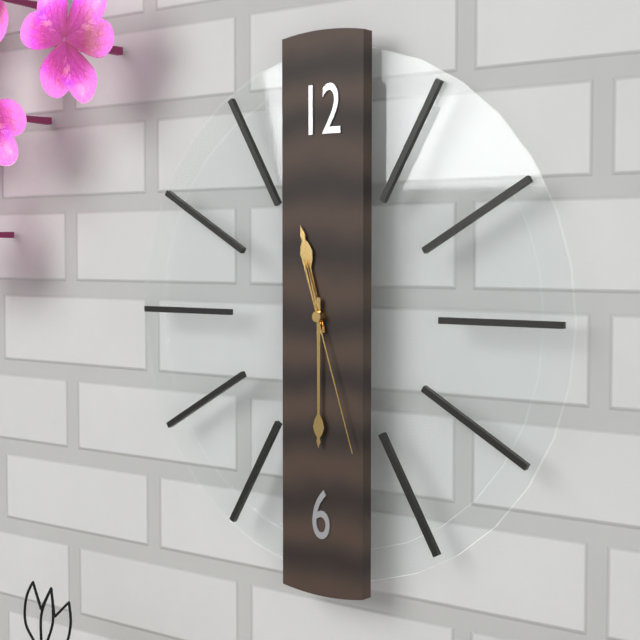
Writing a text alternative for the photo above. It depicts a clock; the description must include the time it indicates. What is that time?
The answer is 11:30:27
